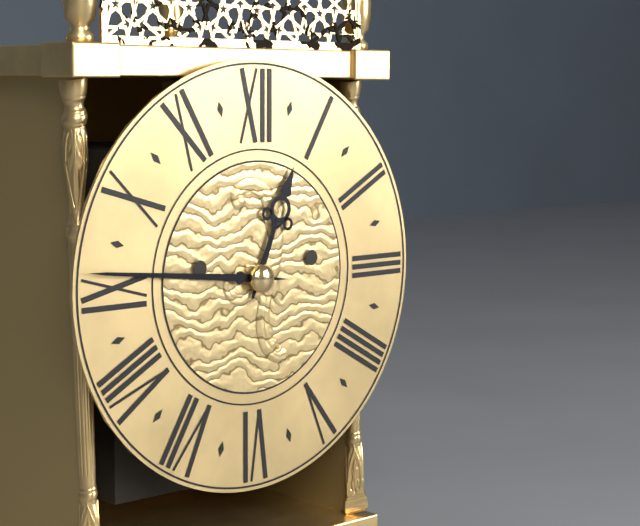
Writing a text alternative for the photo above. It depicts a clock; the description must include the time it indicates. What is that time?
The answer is 12:46
